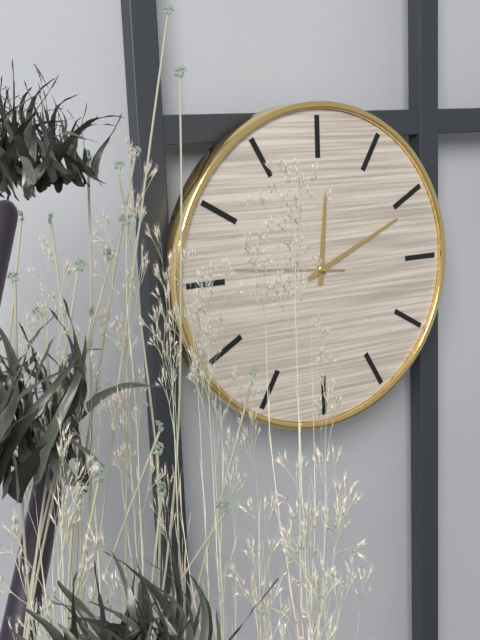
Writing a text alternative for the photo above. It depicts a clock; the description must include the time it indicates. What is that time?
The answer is 12:11:46
